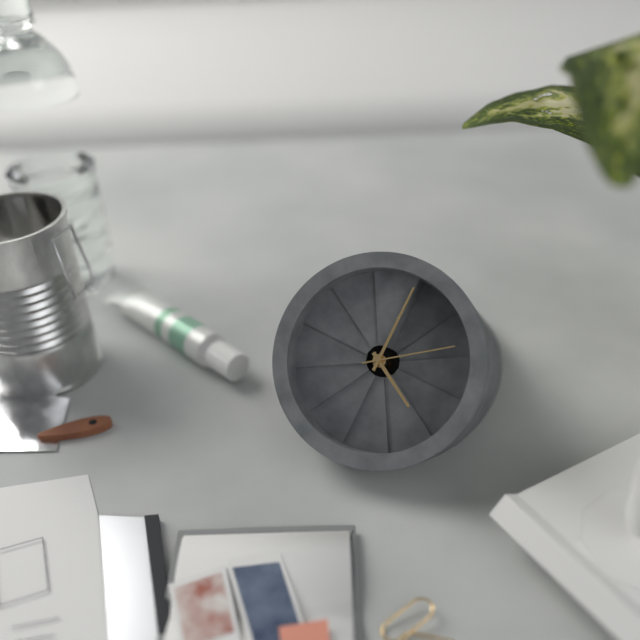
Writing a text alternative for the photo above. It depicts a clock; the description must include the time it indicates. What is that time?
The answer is 4:00:09
